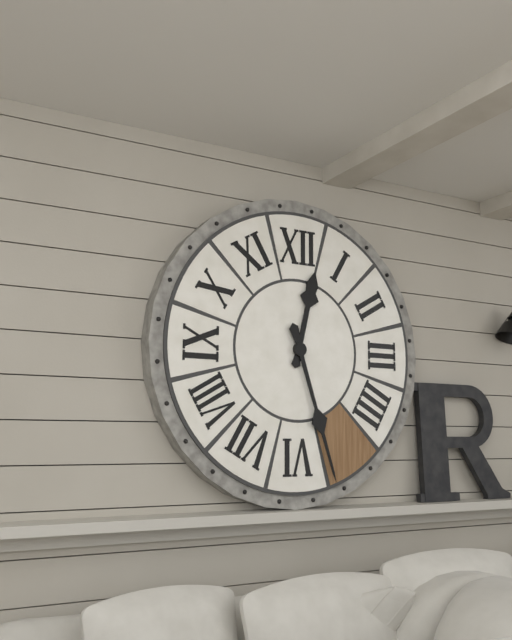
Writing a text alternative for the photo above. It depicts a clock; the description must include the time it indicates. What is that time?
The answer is 12:27
